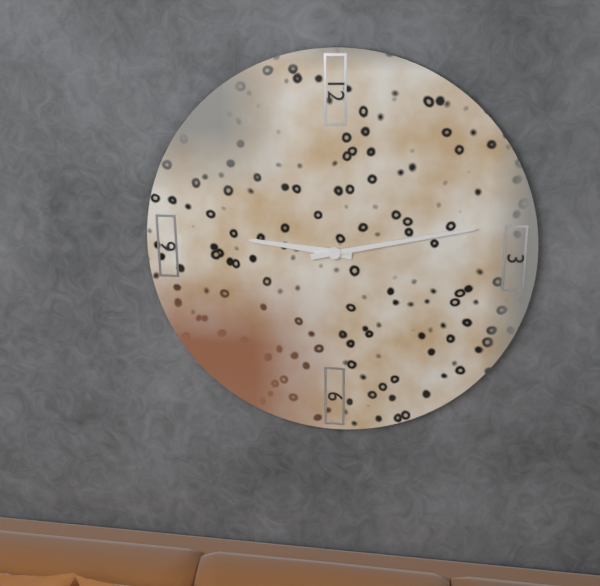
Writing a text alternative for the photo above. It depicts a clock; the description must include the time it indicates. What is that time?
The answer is 9:13
